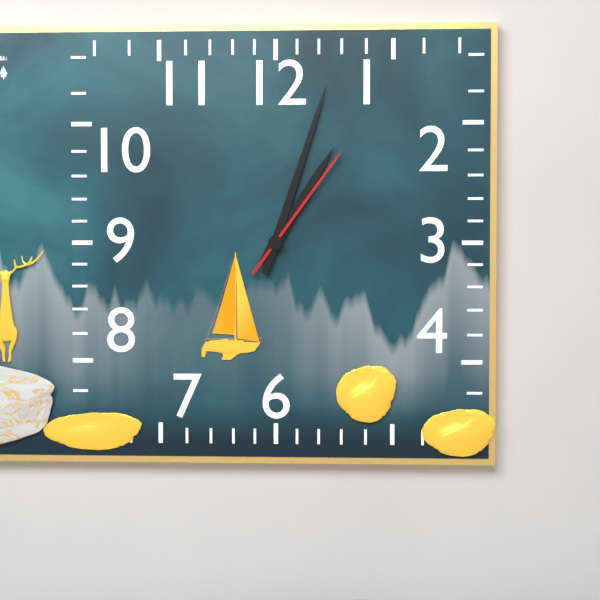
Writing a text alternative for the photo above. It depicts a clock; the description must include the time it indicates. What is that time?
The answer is 1:03:06
